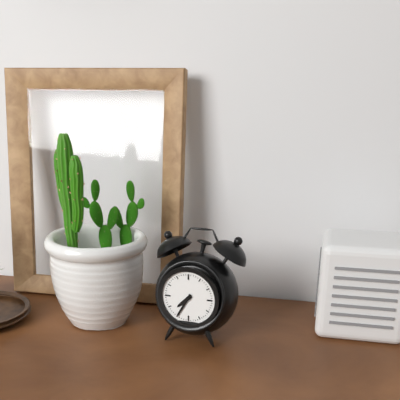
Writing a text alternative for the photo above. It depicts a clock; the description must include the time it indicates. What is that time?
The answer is 7:35
